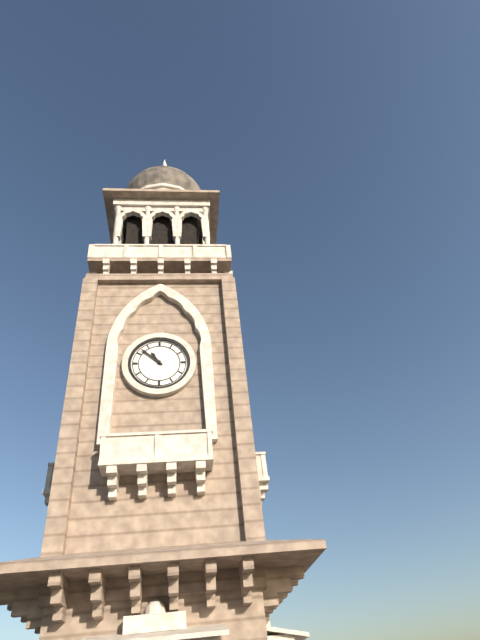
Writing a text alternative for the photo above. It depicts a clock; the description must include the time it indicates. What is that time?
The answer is 10:52
